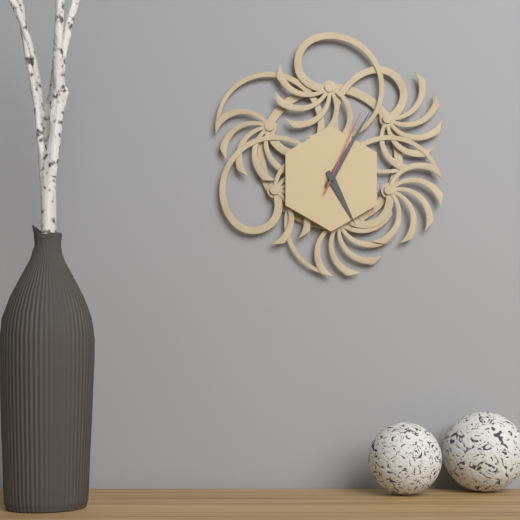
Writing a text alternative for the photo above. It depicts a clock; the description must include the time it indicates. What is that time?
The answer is 5:05:04
